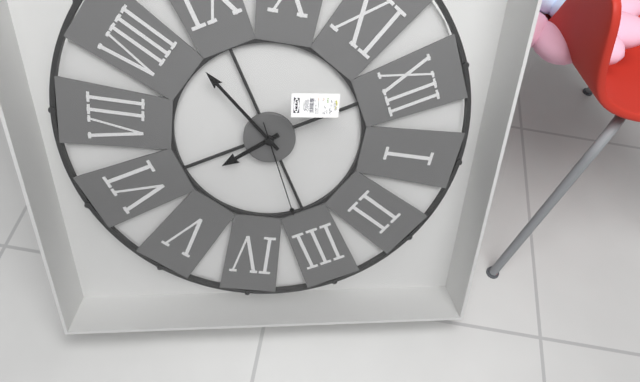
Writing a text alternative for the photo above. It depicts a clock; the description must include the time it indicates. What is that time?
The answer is 5:42:16
